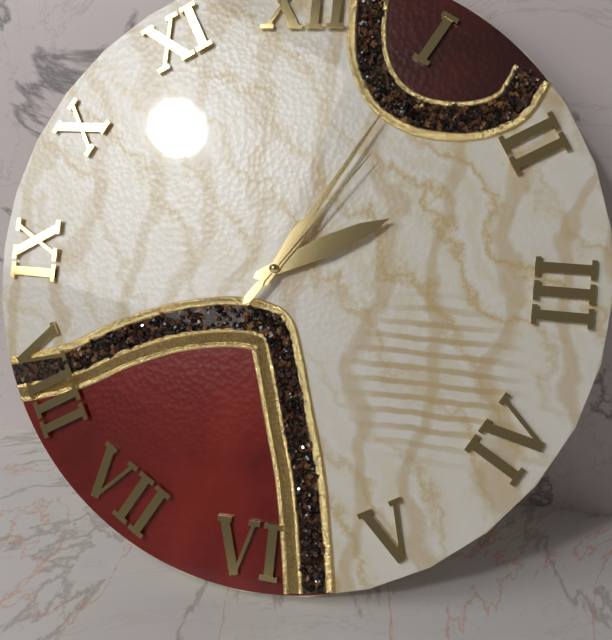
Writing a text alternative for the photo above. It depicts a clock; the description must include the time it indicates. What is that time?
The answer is 2:05:06
